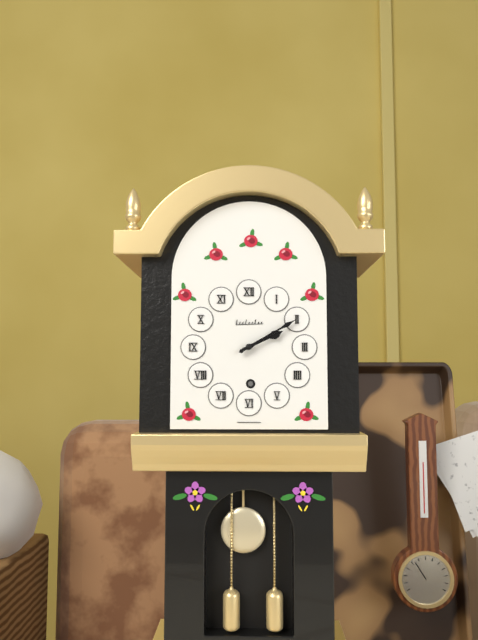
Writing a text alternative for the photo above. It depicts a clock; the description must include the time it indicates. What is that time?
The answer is 2:10
